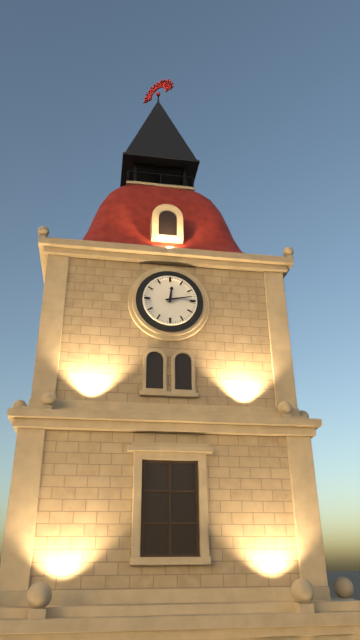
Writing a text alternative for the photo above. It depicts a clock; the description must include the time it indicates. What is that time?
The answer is 12:13
